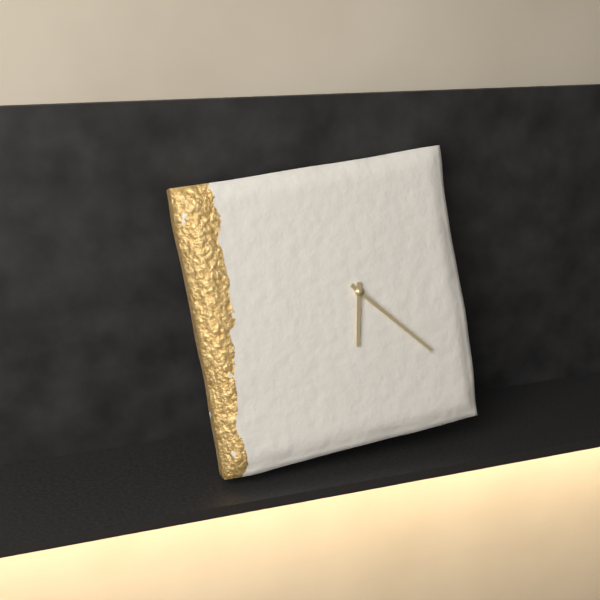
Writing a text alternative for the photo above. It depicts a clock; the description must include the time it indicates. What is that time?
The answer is 6:23
